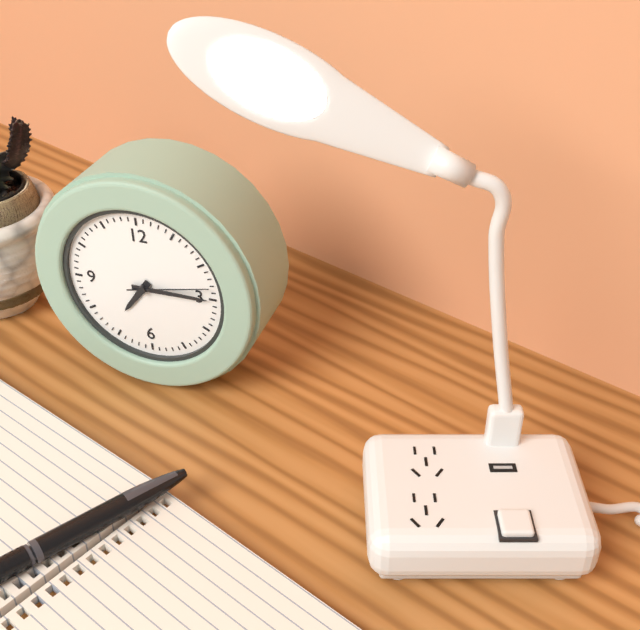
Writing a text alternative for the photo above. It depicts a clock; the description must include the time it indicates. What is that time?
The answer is 7:15:13
